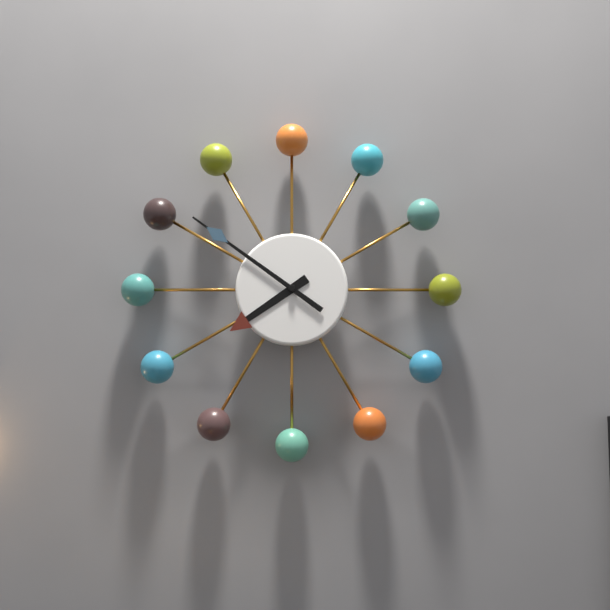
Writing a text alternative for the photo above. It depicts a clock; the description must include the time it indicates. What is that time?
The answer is 7:51
